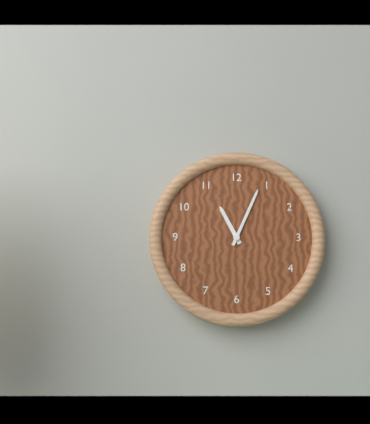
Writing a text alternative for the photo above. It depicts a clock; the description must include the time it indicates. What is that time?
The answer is 11:04
